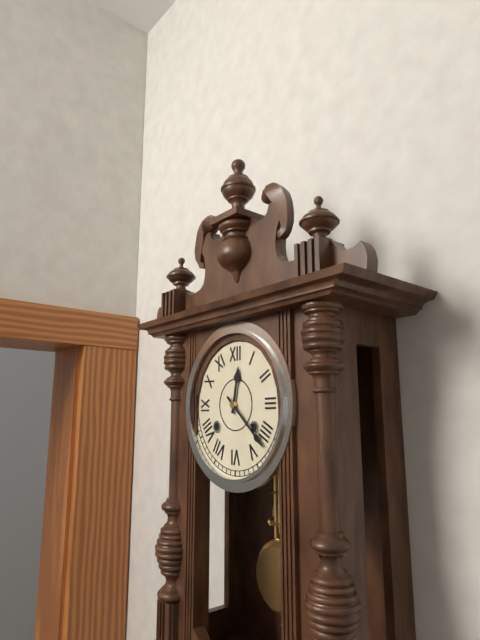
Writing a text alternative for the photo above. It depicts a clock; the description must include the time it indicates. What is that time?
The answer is 12:22
